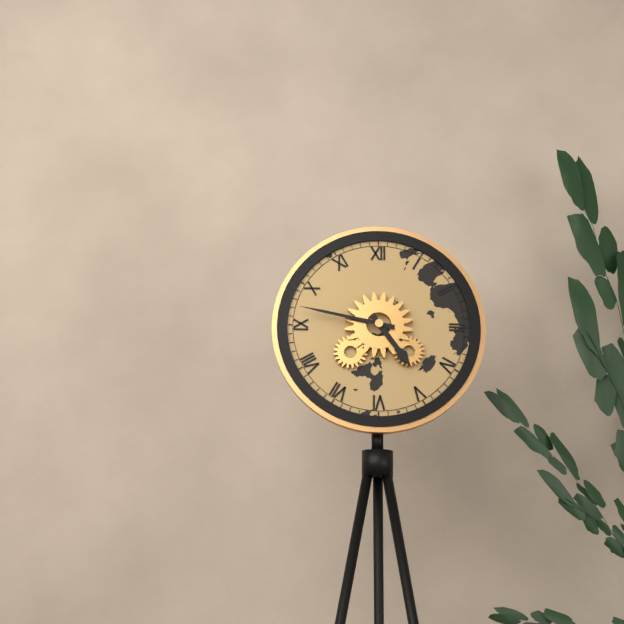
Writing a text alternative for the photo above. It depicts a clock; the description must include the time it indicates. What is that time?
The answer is 4:47
